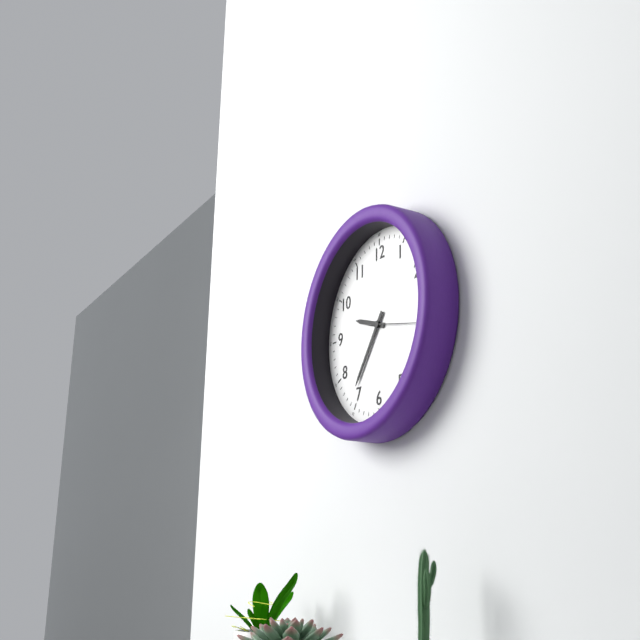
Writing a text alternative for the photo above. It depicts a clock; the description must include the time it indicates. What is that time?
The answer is 9:36
